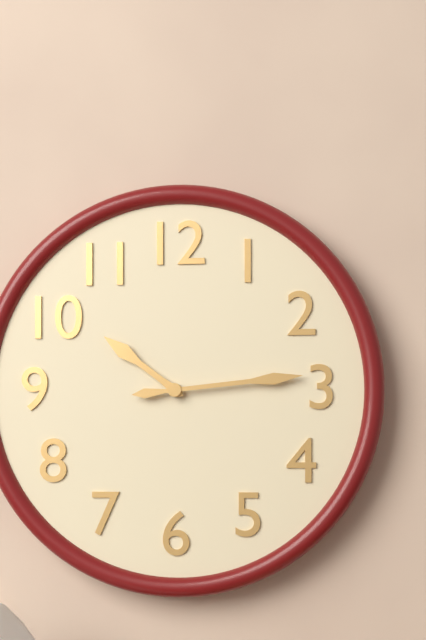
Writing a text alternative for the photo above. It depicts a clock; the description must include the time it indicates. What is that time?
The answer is 10:14
